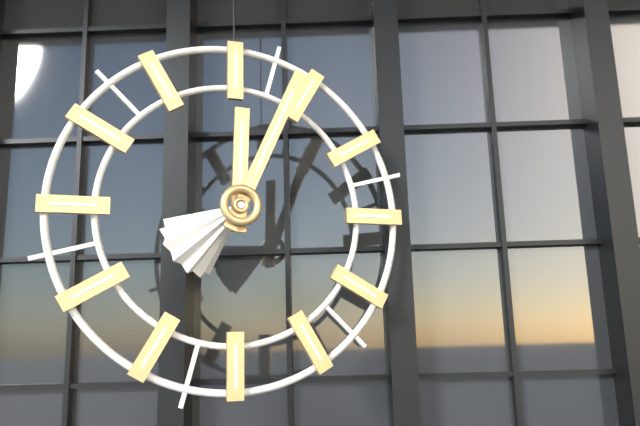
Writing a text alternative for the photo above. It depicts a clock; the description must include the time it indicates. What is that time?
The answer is 12:04
